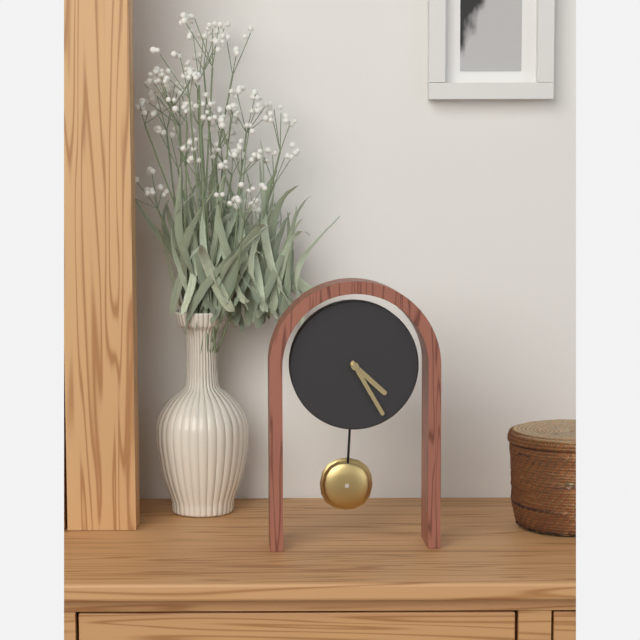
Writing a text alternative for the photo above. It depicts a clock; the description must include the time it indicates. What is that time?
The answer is 4:25
